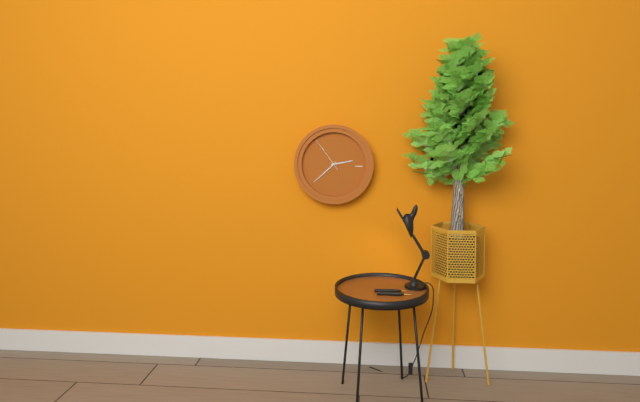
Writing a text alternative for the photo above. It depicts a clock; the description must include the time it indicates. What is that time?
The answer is 2:38
